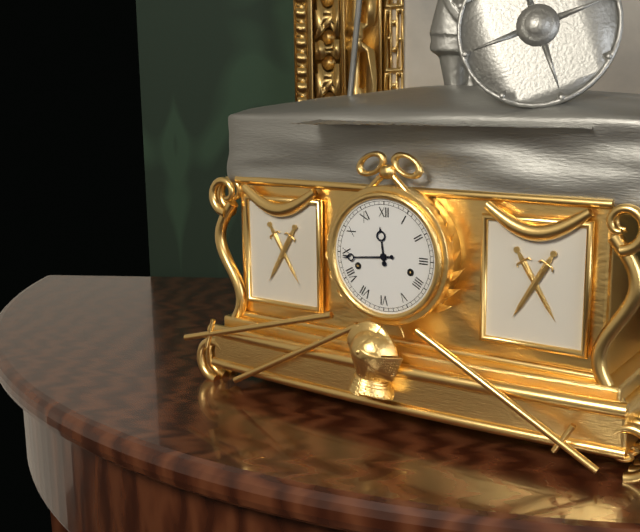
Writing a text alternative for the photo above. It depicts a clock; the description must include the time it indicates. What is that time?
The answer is 11:44
